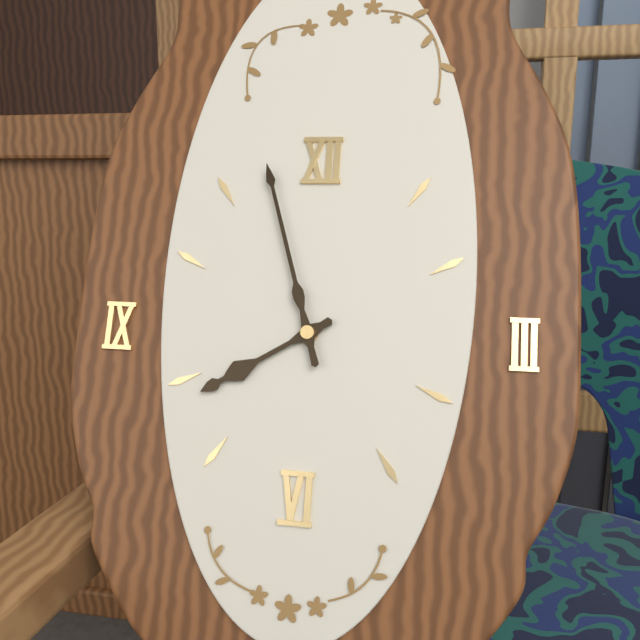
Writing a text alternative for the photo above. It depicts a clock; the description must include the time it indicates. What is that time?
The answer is 7:57
